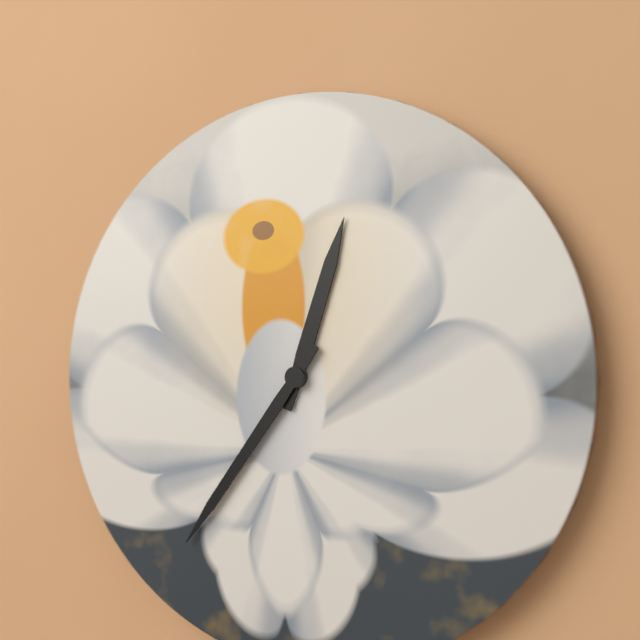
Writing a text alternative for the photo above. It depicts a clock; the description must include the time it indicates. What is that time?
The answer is 12:36
